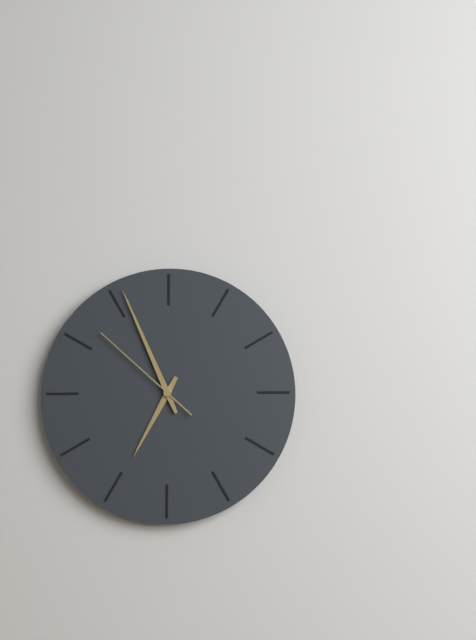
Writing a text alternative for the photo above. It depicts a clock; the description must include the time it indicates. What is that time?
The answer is 6:56:52
